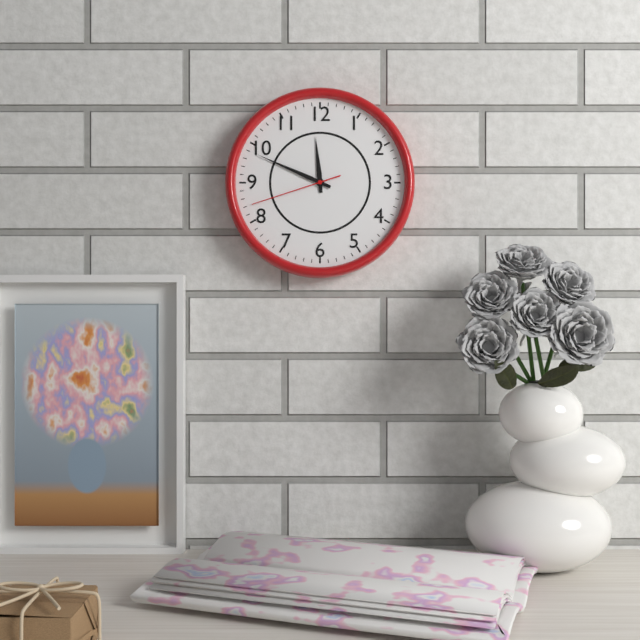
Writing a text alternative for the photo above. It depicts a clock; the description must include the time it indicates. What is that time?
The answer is 11:49:42
